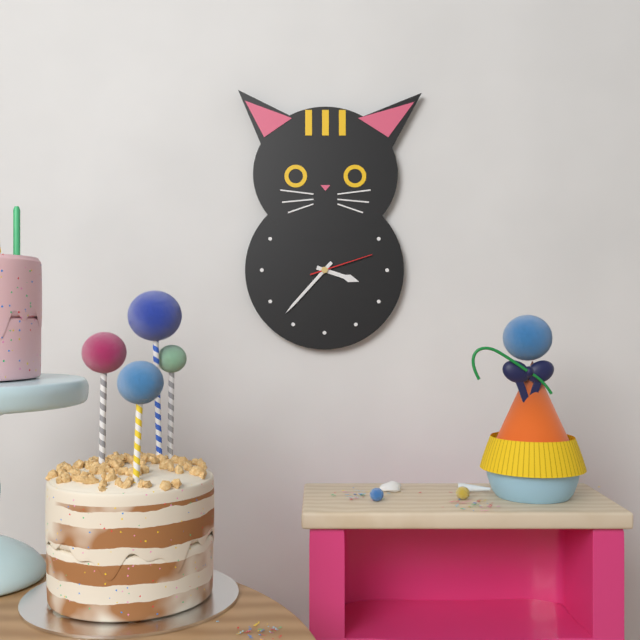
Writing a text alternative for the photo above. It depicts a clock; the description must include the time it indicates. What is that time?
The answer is 3:37:12
